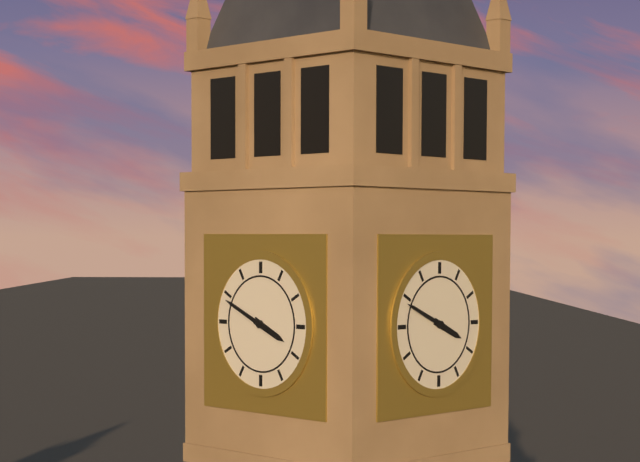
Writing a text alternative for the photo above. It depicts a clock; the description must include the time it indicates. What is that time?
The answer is 3:49
